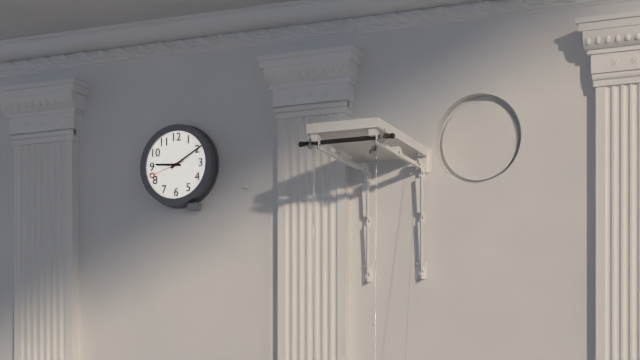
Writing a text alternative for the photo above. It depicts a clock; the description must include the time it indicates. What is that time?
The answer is 9:10
